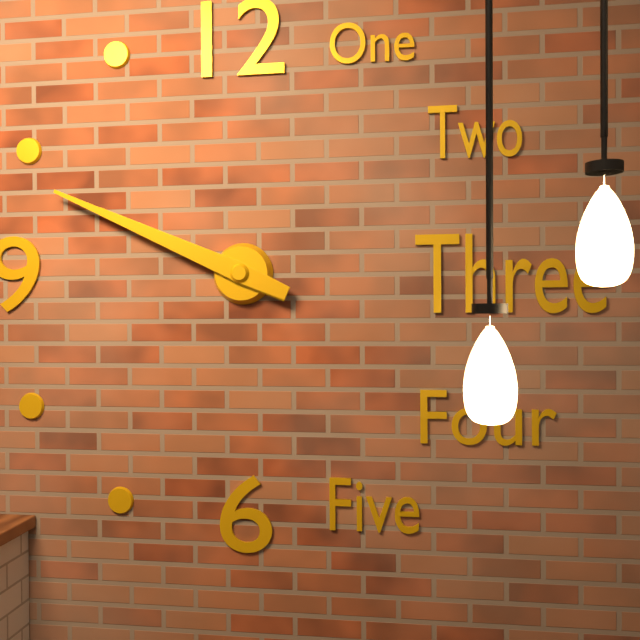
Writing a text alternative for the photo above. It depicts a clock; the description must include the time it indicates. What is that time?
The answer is 9:49
